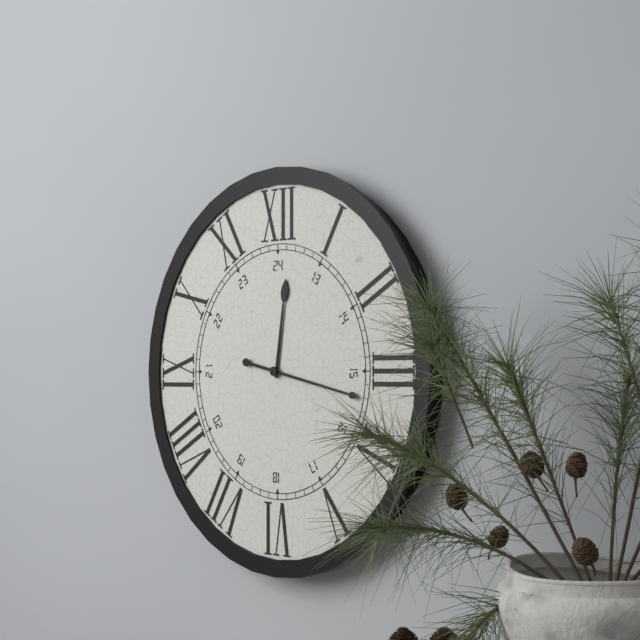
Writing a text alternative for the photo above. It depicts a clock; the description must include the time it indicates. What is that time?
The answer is 12:17
